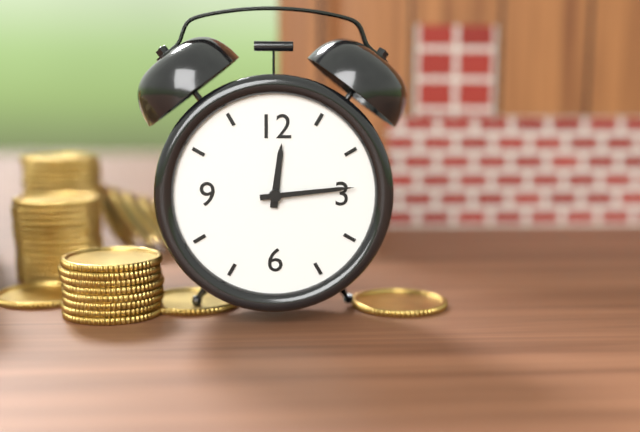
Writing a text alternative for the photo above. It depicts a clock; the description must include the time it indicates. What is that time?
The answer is 12:14
